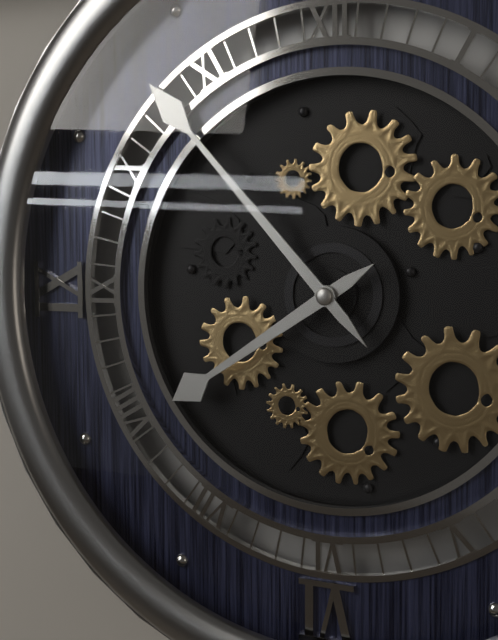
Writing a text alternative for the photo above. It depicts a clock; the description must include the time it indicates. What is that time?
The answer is 7:53
